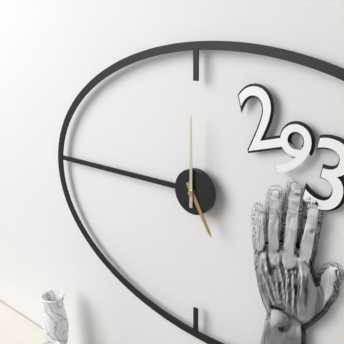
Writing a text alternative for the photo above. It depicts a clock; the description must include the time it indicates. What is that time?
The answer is 5:00
